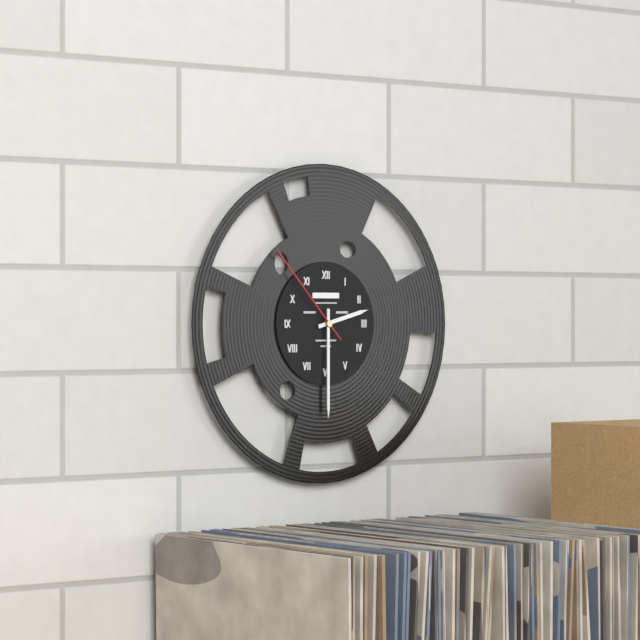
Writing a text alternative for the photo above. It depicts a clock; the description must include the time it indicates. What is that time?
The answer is 2:30:53
